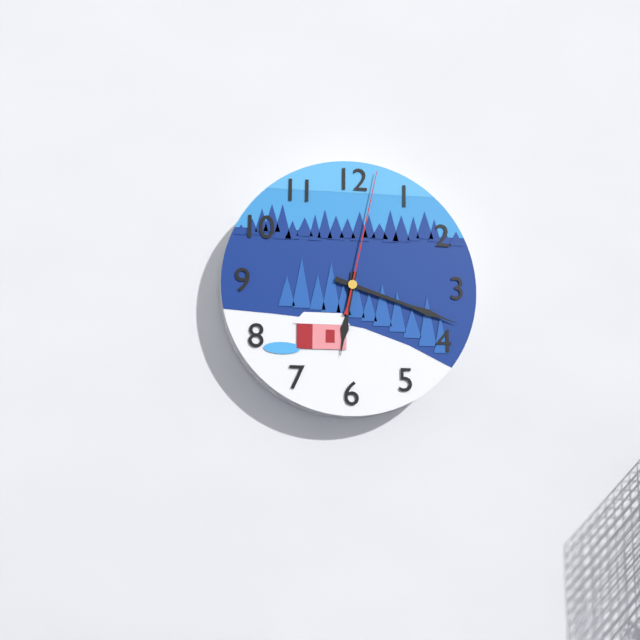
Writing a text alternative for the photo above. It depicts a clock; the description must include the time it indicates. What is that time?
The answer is 6:18:02
